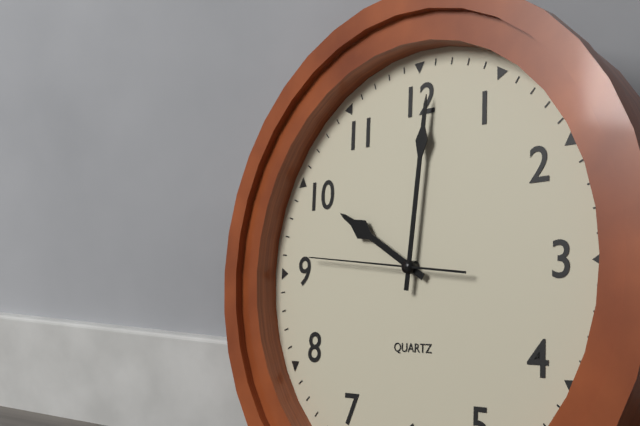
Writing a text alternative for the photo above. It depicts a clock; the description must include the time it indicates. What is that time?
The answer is 10:01:46
